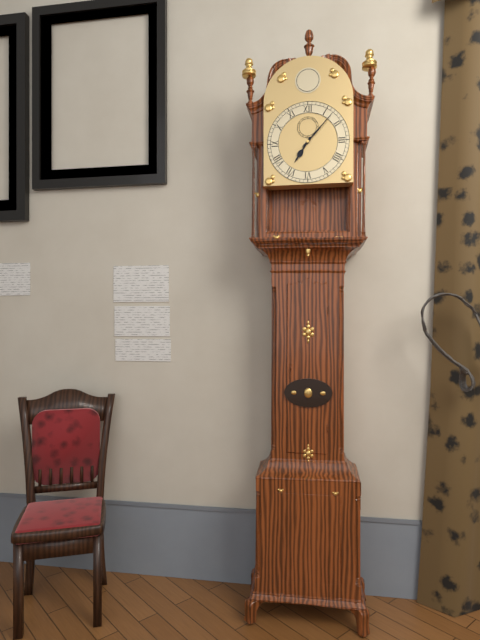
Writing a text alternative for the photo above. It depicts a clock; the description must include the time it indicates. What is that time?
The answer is 7:07
